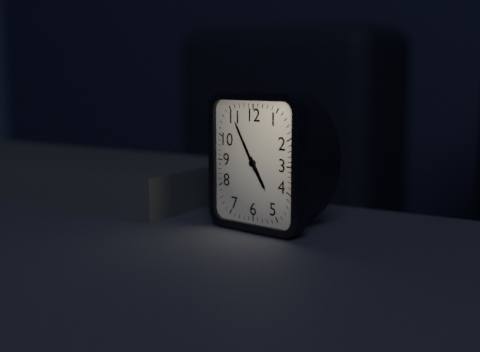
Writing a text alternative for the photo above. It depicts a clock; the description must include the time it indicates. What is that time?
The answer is 4:55
